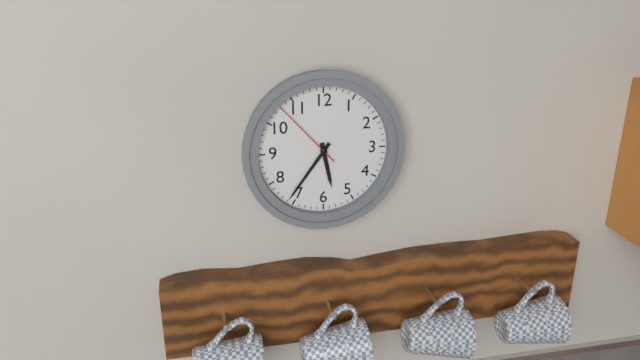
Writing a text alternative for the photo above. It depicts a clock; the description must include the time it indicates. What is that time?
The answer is 5:36:53
